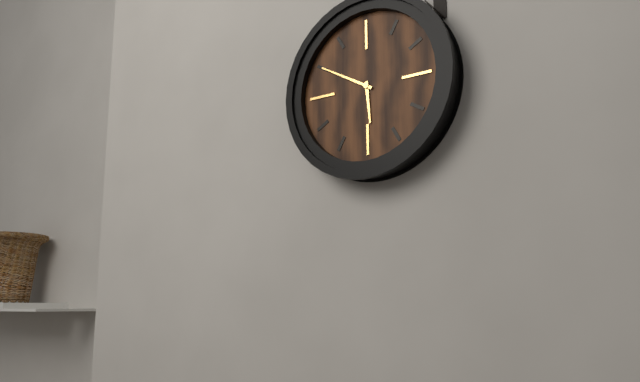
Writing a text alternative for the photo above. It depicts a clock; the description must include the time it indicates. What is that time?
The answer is 5:50
